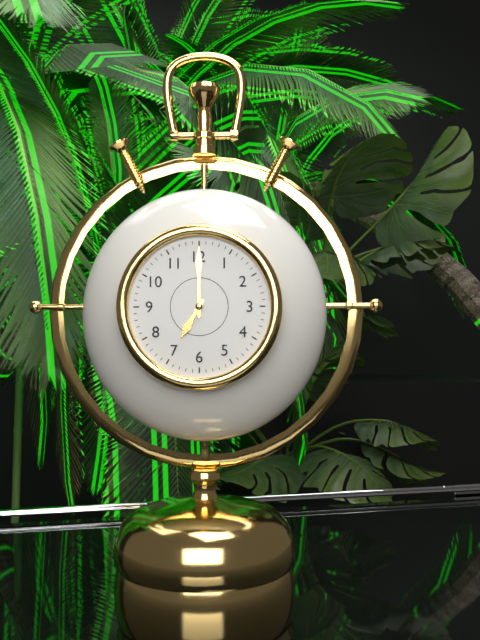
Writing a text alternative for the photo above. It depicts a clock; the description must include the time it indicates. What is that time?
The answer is 7:00
